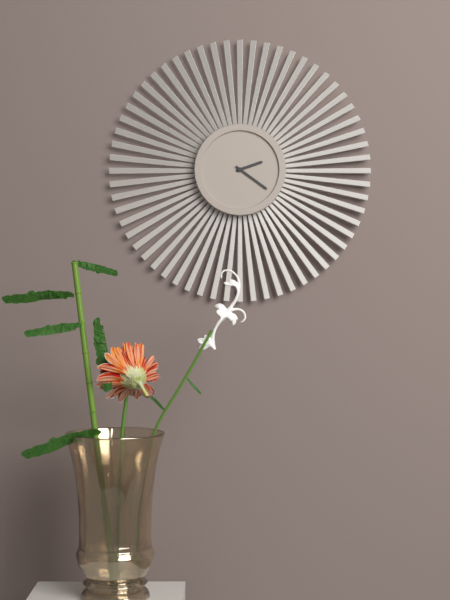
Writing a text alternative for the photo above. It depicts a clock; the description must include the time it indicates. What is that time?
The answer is 2:21
